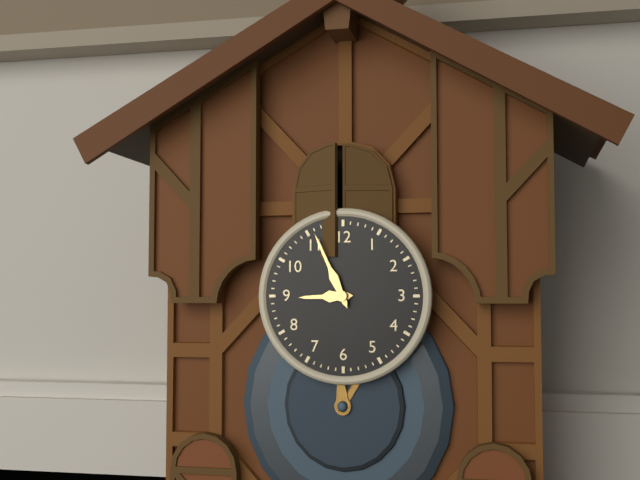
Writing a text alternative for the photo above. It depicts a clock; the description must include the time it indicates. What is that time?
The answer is 8:56
